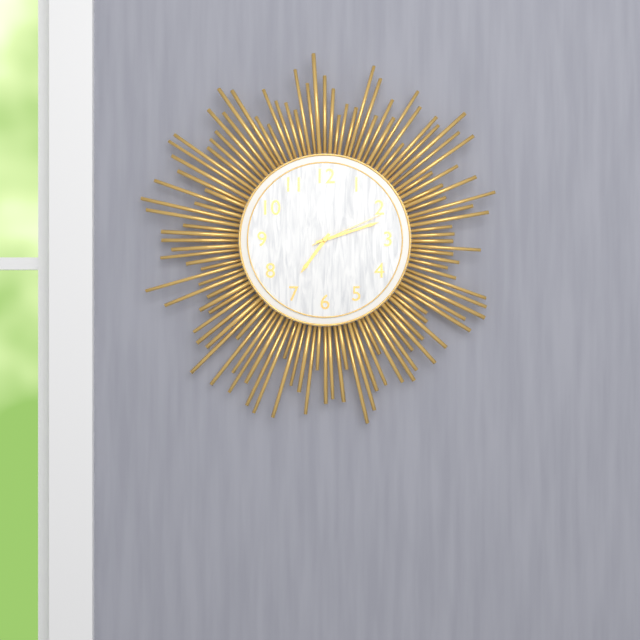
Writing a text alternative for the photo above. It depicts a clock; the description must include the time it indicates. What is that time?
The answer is 7:12:11
